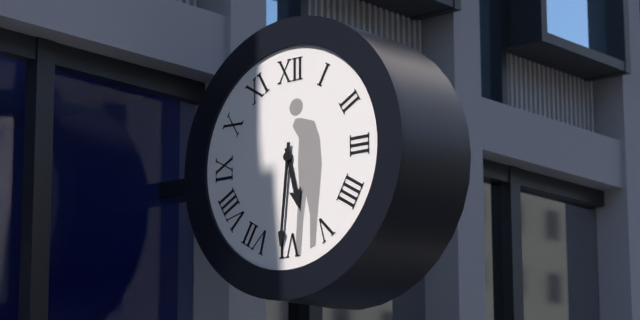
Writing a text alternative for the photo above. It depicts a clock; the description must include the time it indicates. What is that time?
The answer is 5:31
